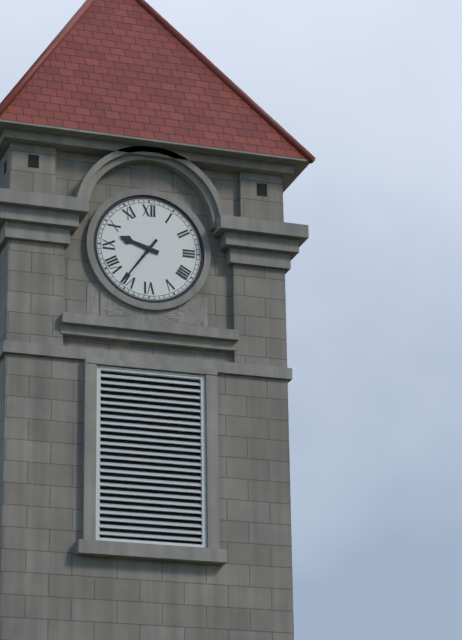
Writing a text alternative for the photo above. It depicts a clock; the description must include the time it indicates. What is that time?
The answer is 9:36
